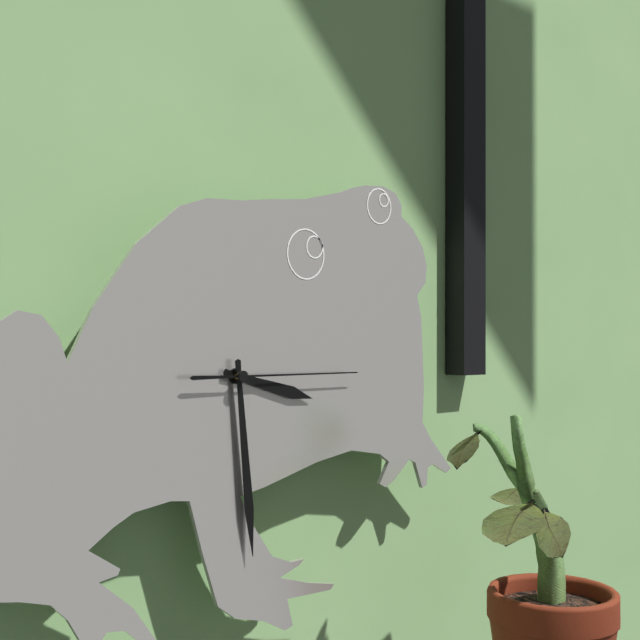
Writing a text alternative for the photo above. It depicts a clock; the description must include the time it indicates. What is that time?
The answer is 3:29:15
